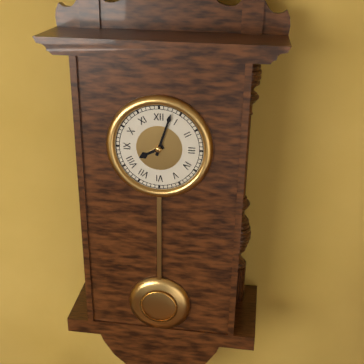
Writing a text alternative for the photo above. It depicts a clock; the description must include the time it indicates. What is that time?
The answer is 8:03
